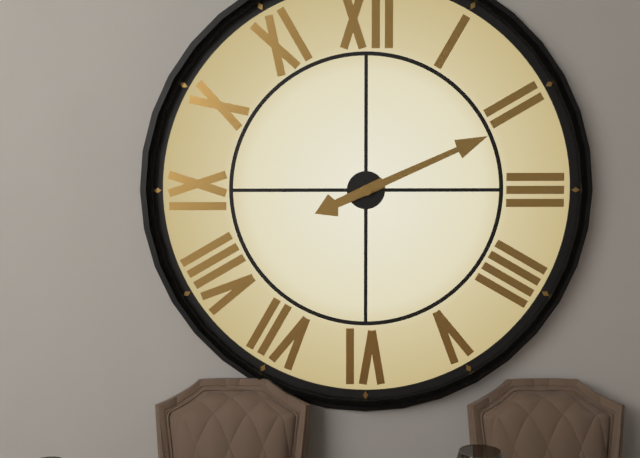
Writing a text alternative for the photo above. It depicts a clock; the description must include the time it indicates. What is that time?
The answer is 8:11
